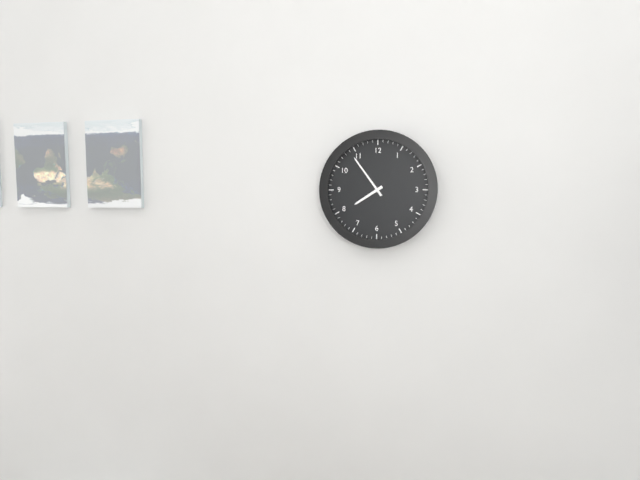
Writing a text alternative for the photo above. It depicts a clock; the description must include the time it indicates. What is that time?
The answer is 7:54
